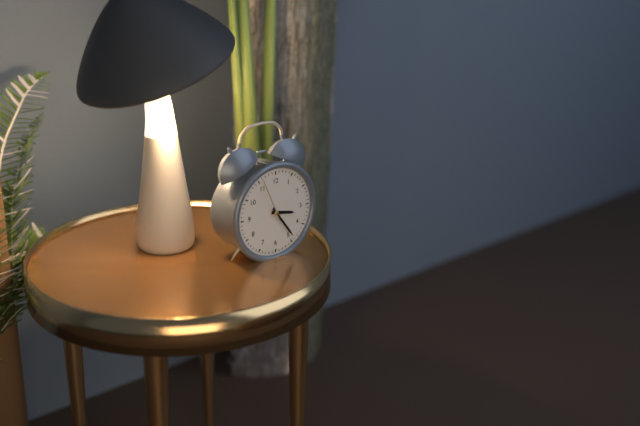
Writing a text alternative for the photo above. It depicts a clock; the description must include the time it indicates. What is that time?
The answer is 3:24
